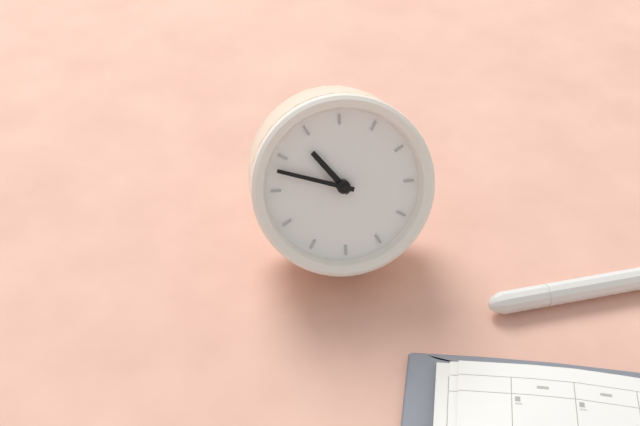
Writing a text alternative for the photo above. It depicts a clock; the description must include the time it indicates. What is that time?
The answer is 9:43
